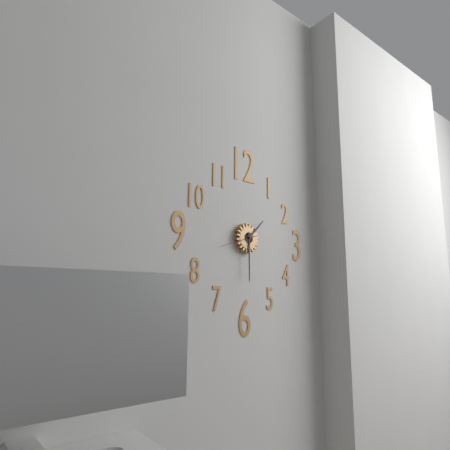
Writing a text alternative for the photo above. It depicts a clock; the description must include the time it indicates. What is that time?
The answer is 1:30
